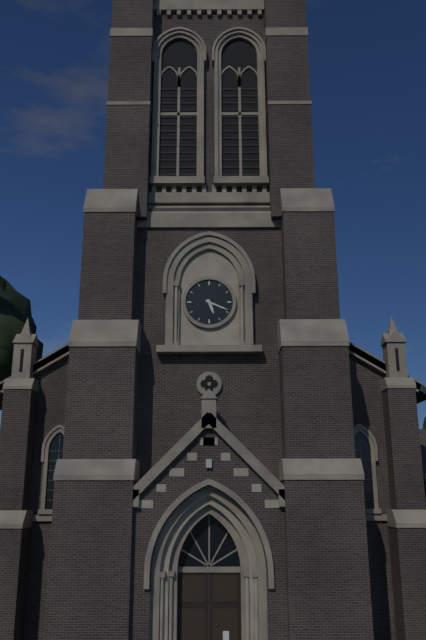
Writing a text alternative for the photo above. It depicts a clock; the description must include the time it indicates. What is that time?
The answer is 5:19
